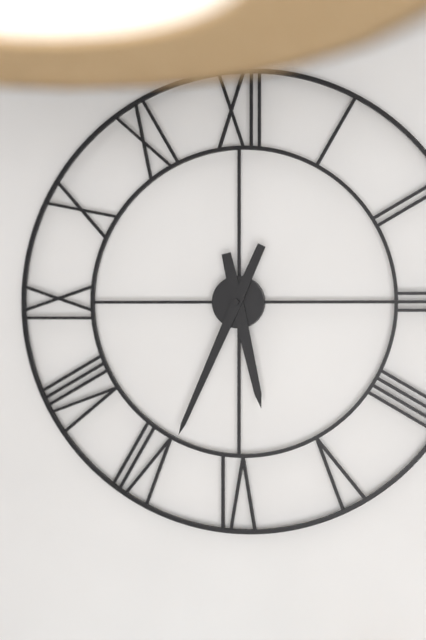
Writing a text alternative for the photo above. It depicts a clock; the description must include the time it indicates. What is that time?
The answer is 5:34
